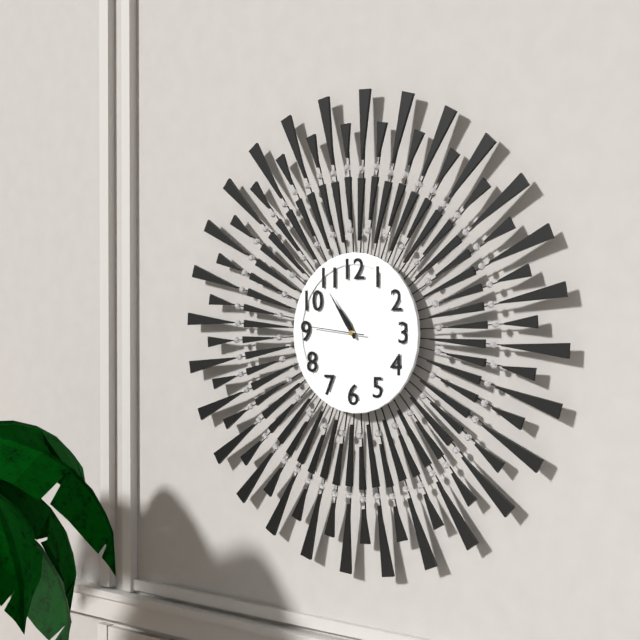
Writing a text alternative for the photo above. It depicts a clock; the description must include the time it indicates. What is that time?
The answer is 10:54:46
